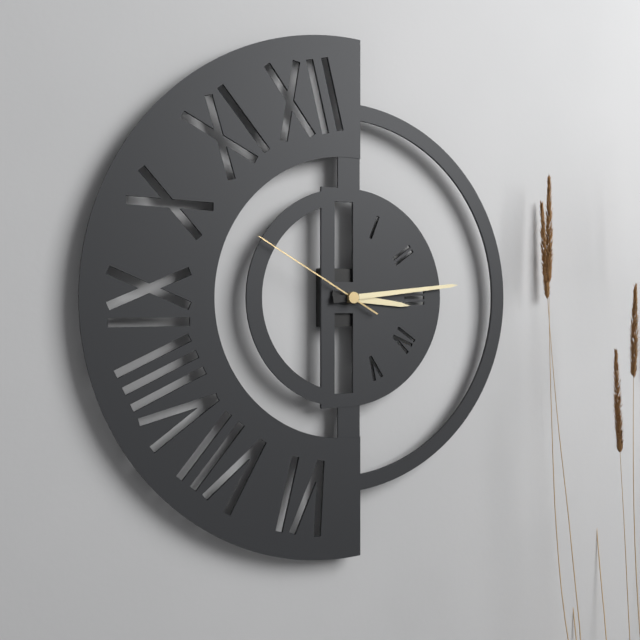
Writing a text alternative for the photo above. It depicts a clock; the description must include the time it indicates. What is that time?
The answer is 3:14:50
